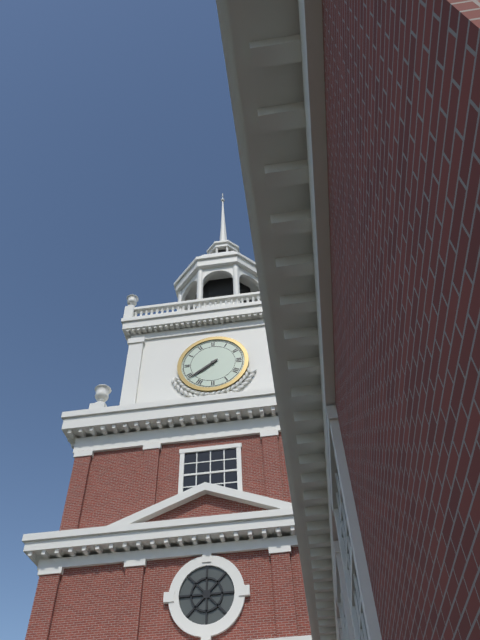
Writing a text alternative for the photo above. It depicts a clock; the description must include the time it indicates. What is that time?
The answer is 7:39
